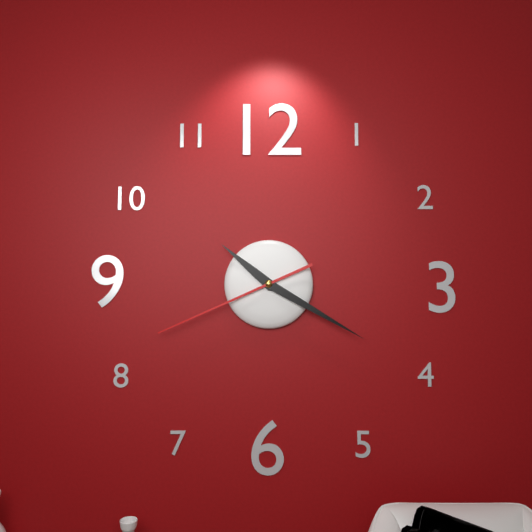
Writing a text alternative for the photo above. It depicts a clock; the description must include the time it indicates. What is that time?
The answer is 10:20:41
